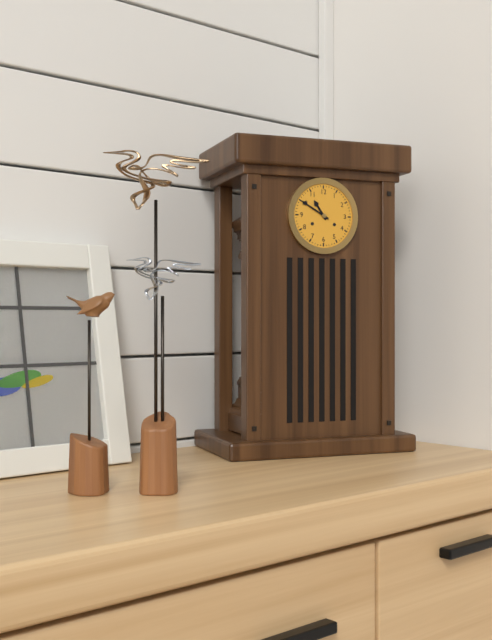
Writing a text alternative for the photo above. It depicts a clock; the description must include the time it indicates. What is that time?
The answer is 10:50
